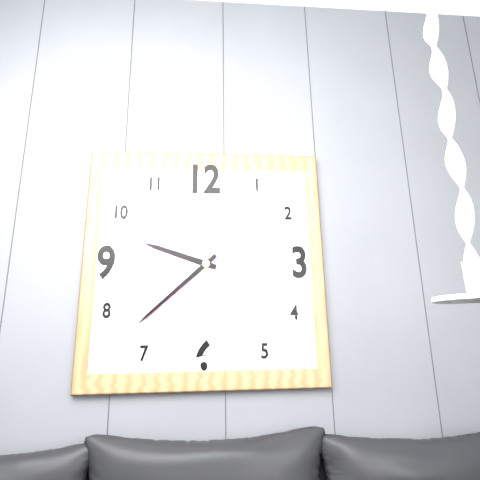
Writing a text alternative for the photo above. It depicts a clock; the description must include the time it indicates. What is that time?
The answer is 9:38
